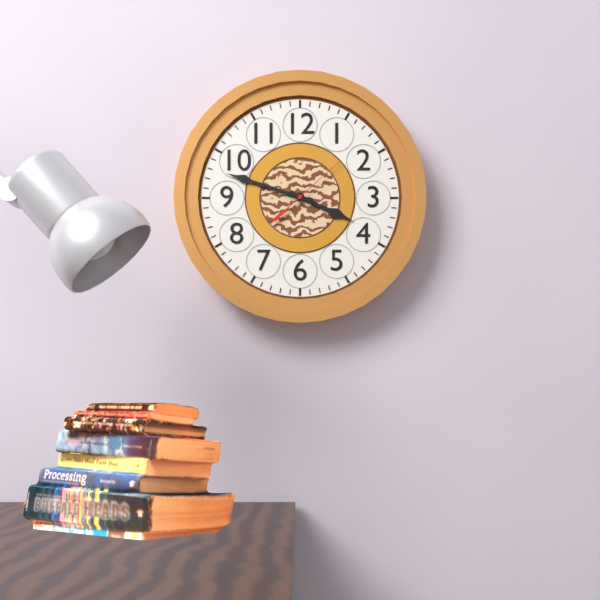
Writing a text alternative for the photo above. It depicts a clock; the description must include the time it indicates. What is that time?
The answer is 3:48:08
